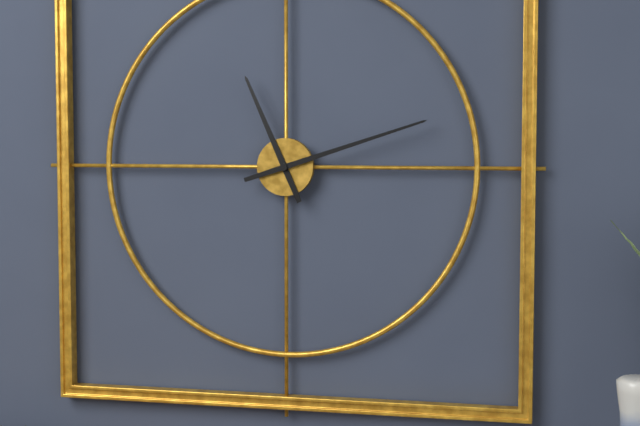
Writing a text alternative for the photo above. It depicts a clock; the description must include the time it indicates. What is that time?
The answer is 11:12
